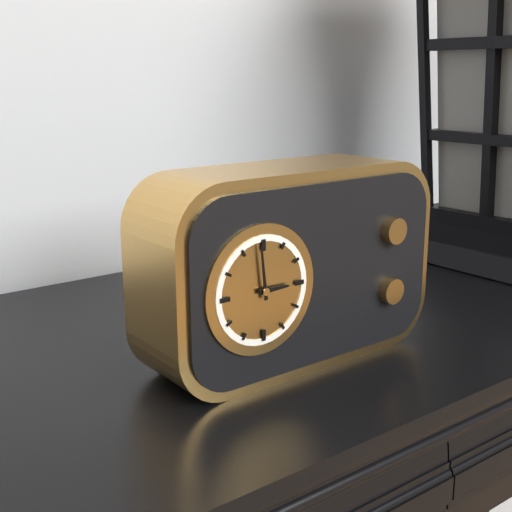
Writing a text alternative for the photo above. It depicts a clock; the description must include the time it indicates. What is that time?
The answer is 2:59
